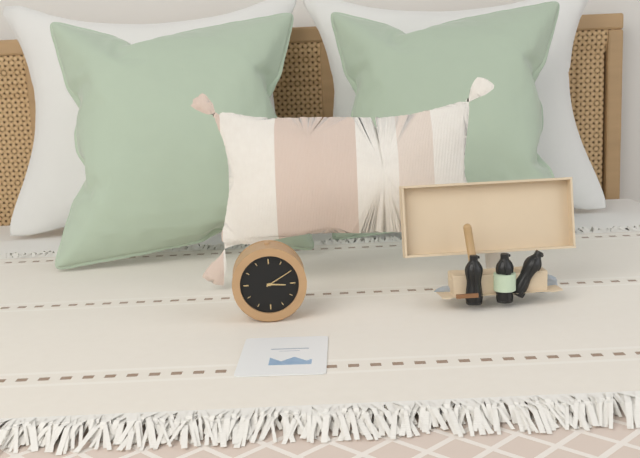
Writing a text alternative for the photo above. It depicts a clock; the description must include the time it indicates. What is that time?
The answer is 3:10
